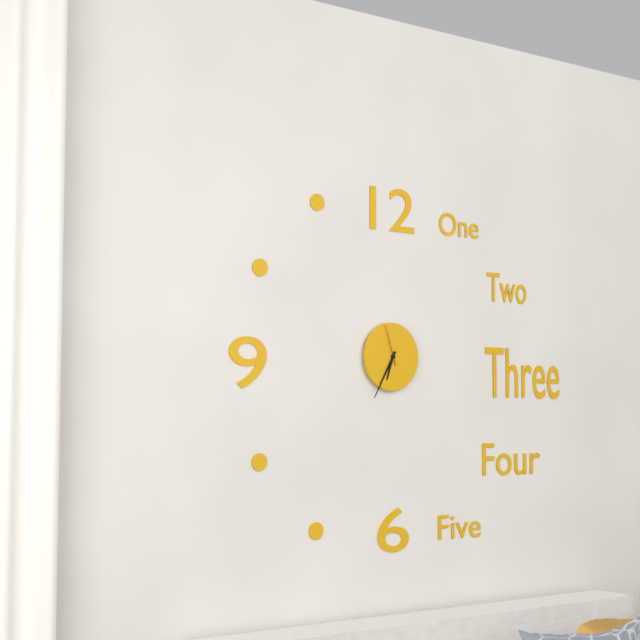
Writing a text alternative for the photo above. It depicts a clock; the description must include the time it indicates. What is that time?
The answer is 6:35
